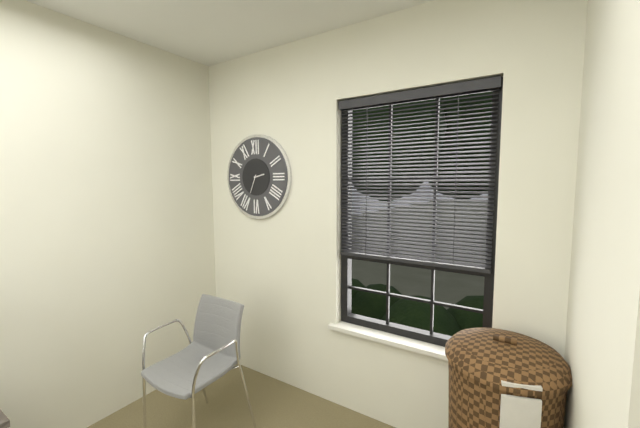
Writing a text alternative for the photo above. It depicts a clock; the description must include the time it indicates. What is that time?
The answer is 2:34
